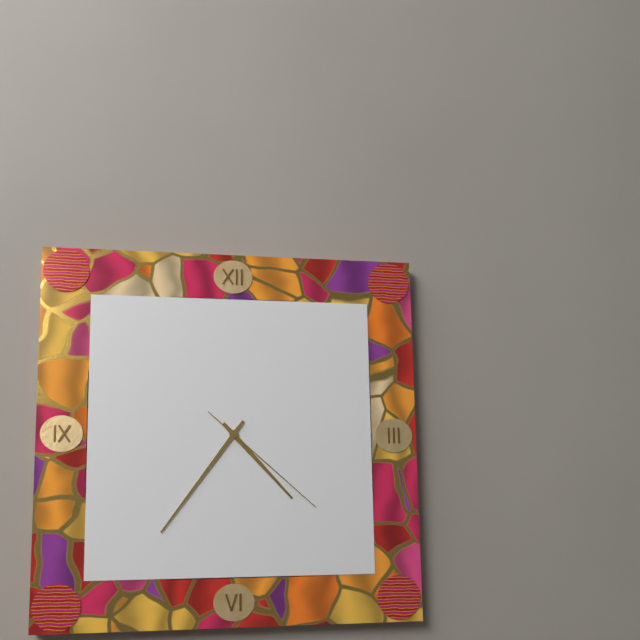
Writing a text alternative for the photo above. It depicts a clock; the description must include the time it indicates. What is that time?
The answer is 4:36:22
